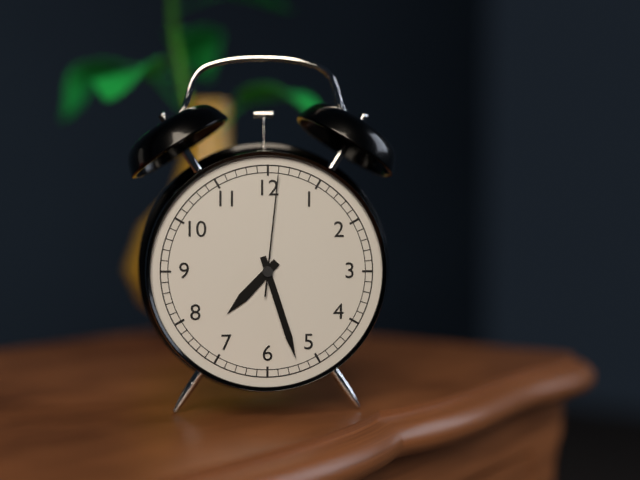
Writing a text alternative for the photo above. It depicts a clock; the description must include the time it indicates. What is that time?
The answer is 7:27:01
